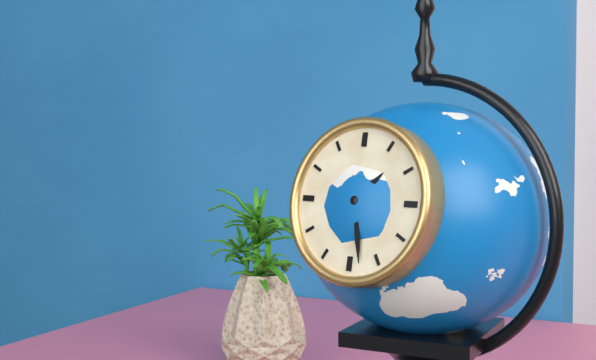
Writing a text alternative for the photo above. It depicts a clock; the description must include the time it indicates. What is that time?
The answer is 1:28
